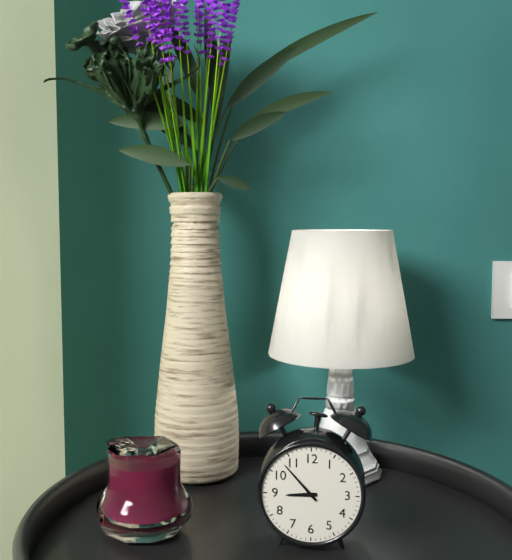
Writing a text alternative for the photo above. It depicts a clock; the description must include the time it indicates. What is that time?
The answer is 8:53
